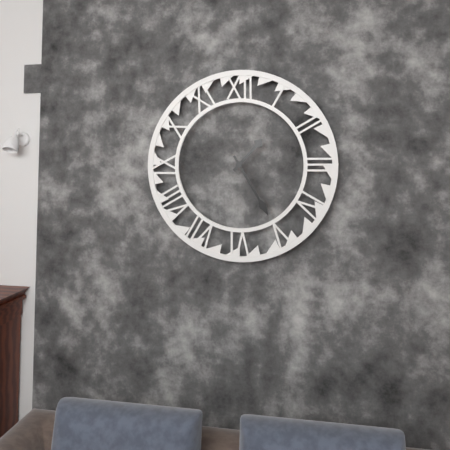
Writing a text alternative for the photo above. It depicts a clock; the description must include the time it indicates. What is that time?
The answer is 1:25
